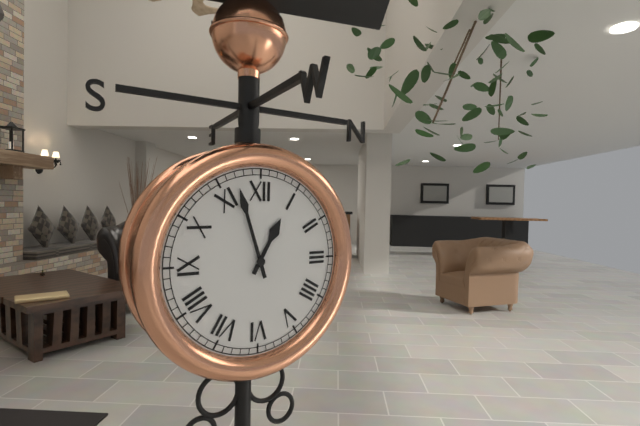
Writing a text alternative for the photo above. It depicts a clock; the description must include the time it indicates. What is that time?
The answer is 12:57
